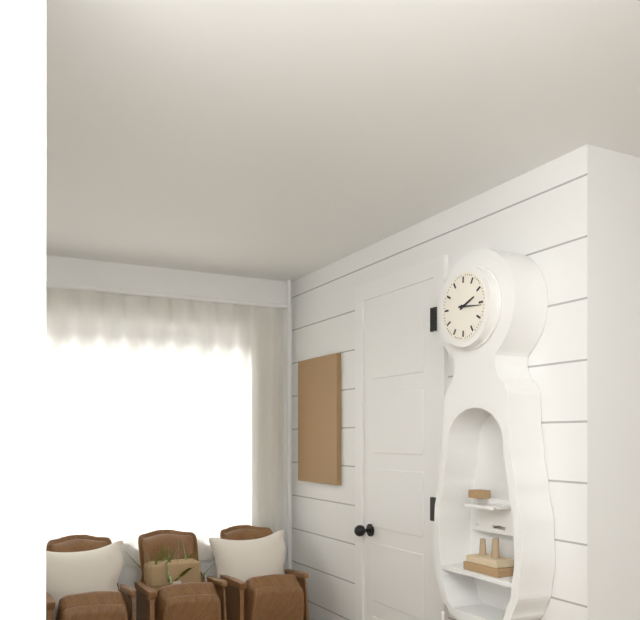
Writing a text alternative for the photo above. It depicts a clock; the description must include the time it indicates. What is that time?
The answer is 2:16
